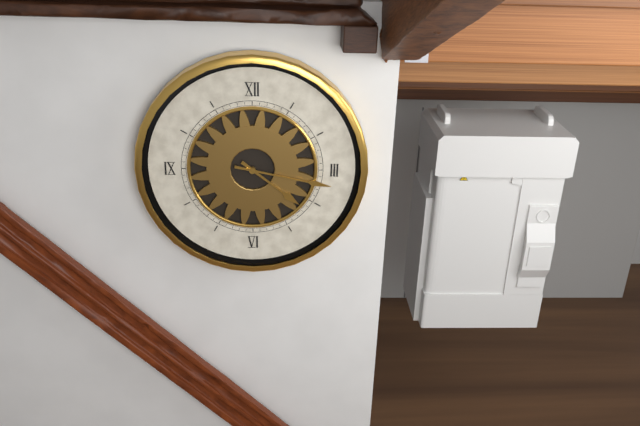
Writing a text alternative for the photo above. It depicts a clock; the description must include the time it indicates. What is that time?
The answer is 4:17
